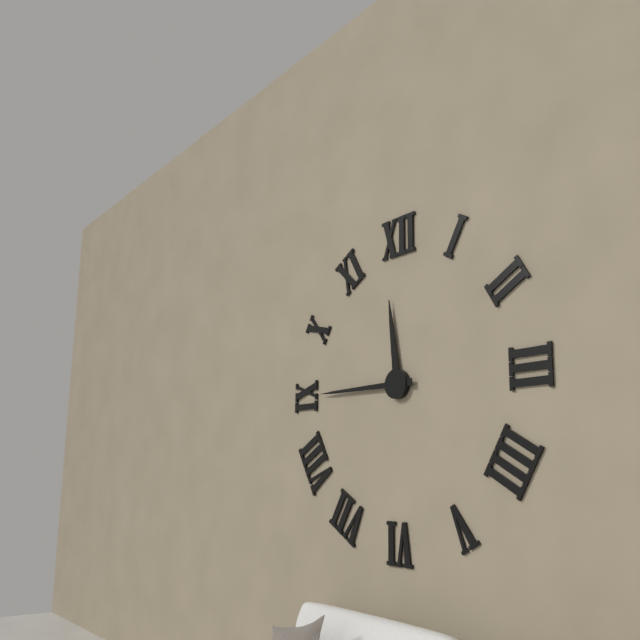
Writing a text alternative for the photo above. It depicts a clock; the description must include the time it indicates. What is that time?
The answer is 11:45
